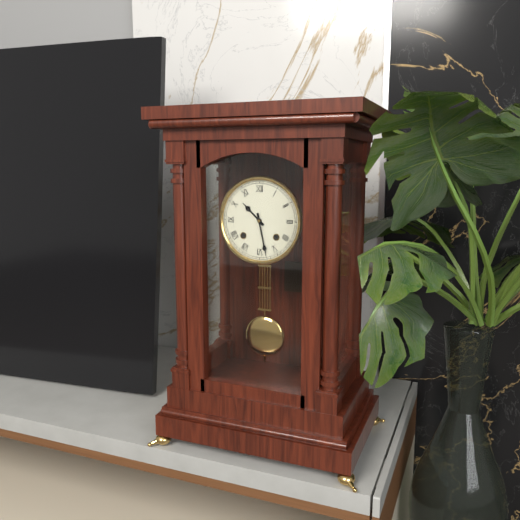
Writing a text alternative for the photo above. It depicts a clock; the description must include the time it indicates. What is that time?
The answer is 10:28
